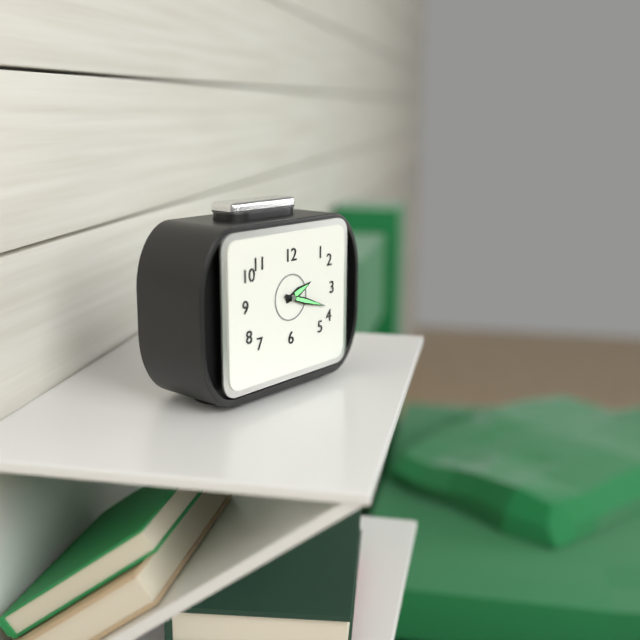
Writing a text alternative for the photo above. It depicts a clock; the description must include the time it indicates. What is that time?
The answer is 2:18
